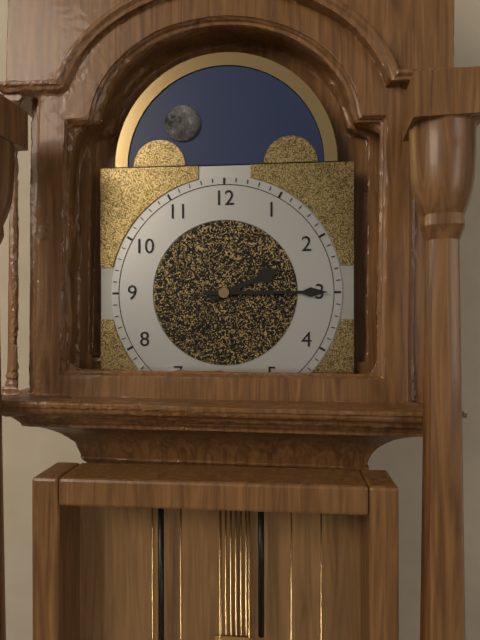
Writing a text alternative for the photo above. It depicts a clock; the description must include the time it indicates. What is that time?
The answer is 2:15
